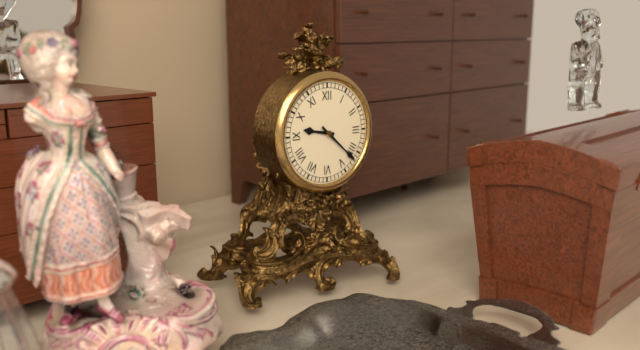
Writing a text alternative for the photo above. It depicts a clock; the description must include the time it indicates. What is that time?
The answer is 9:22
